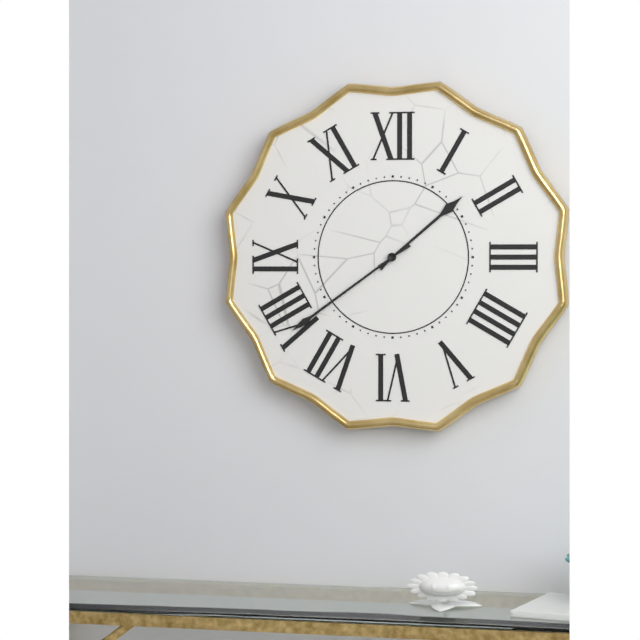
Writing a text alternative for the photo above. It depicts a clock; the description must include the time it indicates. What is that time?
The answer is 1:39
